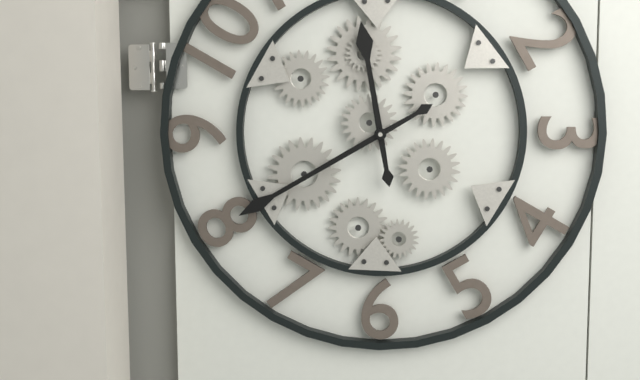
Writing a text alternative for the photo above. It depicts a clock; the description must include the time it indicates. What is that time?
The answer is 11:40
